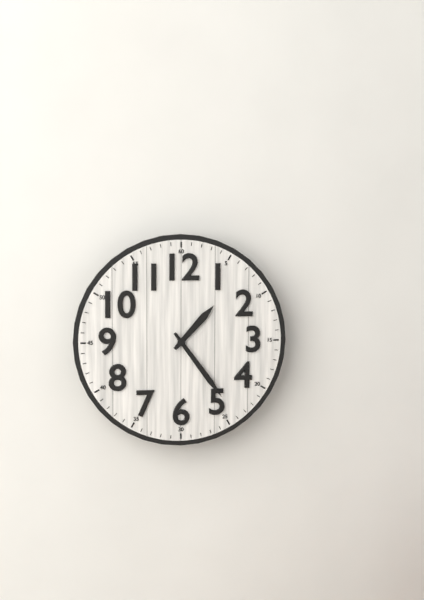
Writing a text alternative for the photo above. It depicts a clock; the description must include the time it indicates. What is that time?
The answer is 1:24
